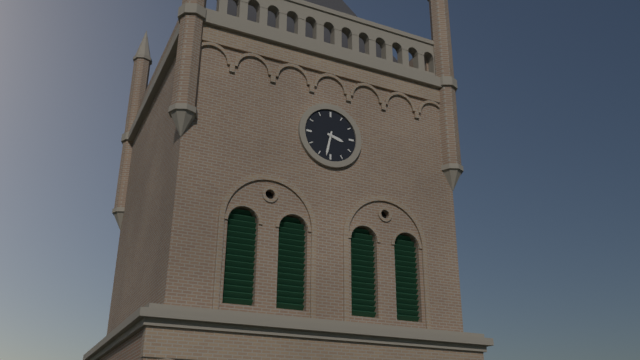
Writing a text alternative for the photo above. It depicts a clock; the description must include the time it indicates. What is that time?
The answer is 3:32
